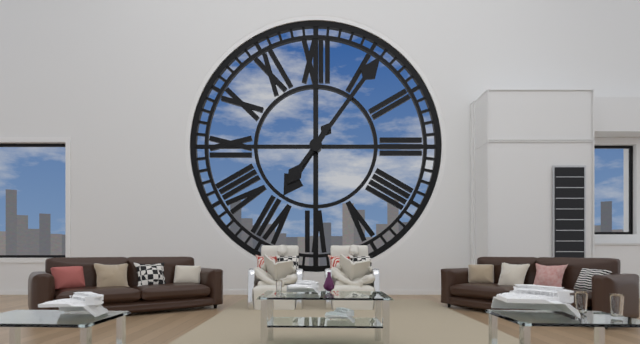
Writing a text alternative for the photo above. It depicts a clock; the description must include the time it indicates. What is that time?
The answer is 7:06
